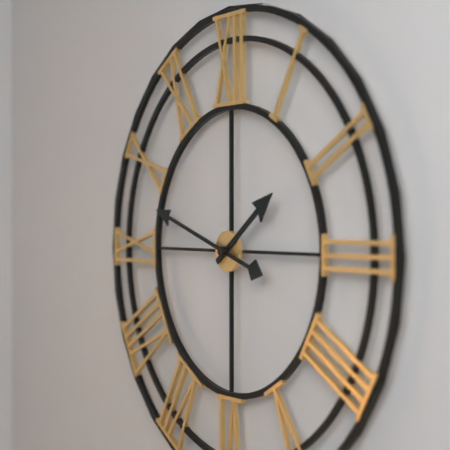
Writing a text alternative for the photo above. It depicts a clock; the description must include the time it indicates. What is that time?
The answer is 1:48
